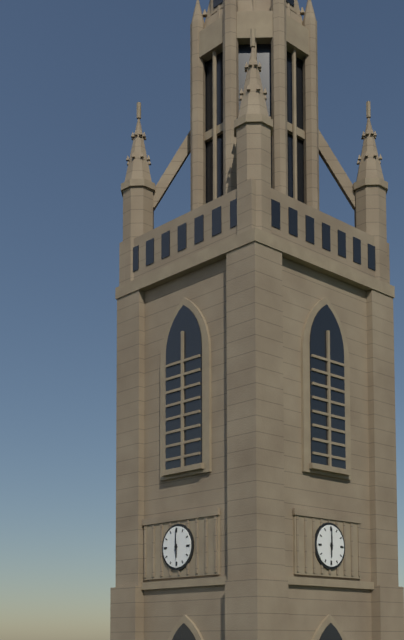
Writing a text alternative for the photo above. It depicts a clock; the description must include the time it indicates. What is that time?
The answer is 6:00
